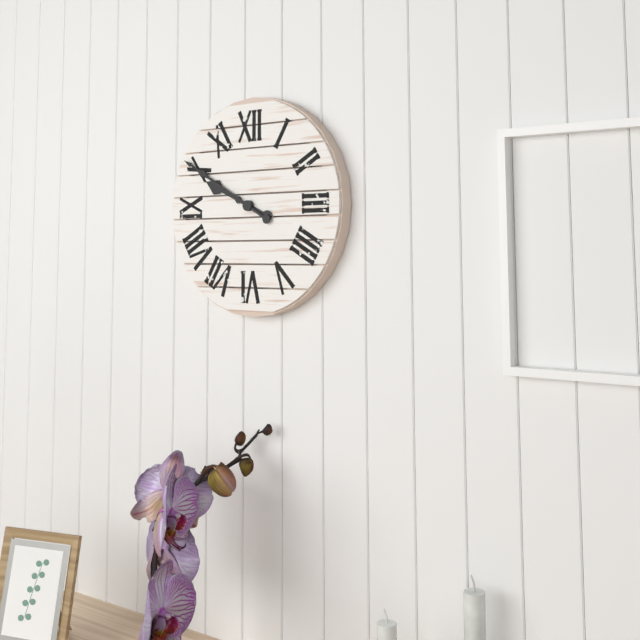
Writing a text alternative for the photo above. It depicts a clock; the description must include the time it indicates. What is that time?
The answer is 9:50
